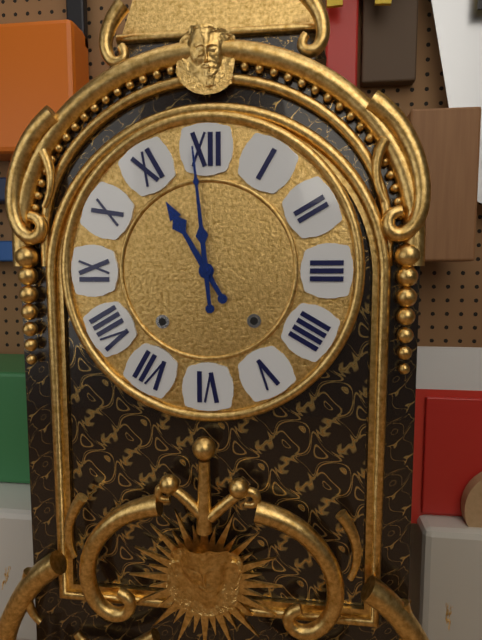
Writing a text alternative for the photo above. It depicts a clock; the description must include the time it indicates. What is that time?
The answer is 10:59
